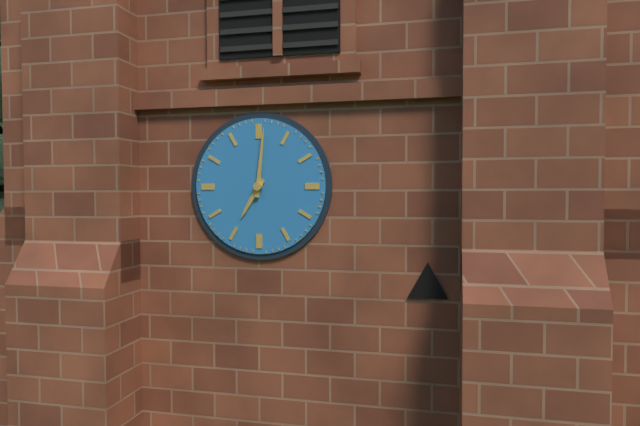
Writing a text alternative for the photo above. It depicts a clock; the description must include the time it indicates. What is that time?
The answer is 7:01
